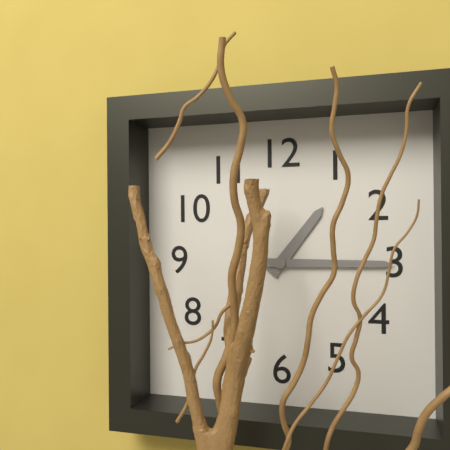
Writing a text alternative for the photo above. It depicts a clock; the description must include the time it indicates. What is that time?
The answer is 1:15
